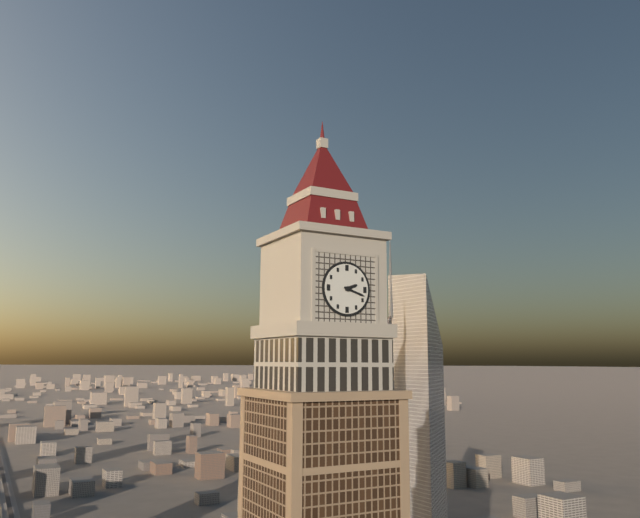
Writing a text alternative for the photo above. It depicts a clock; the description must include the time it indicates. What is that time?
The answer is 2:18
